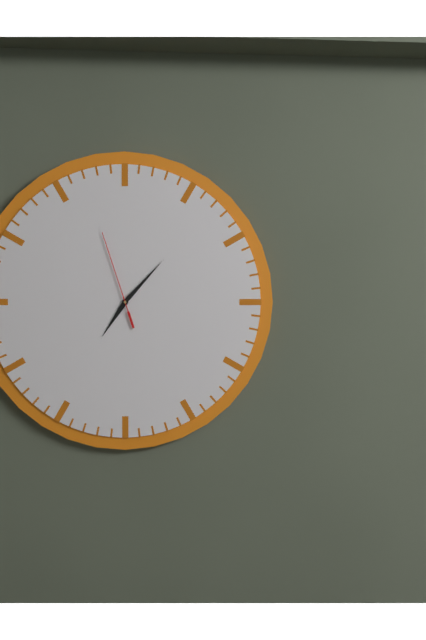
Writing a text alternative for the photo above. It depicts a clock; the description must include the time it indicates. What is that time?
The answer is 7:07:57
